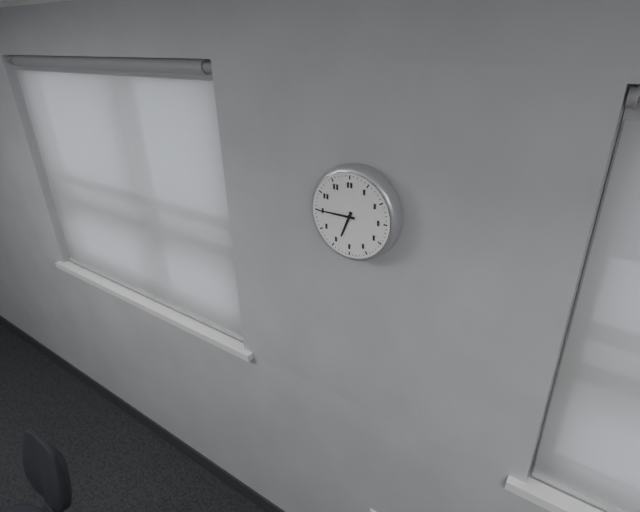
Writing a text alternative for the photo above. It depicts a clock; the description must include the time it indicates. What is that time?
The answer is 6:45
